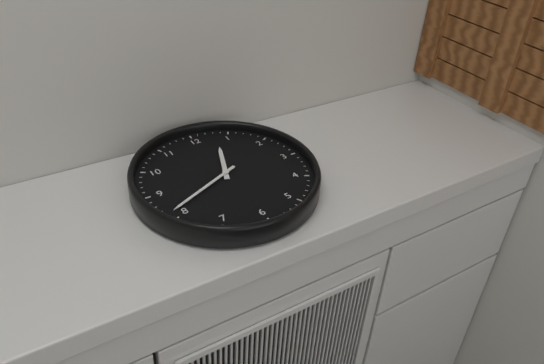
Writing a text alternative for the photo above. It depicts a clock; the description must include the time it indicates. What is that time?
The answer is 12:41
